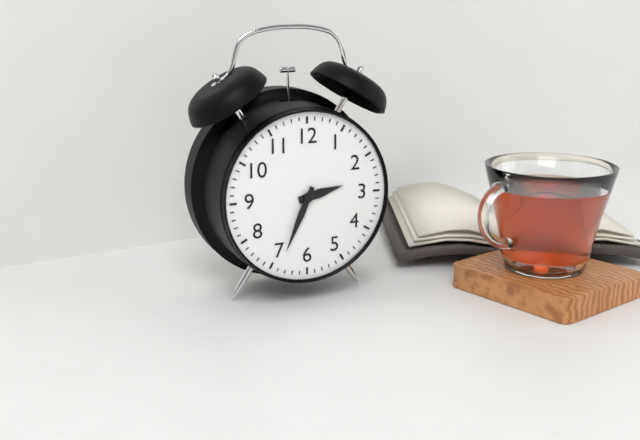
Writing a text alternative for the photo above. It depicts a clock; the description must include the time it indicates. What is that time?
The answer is 2:34
